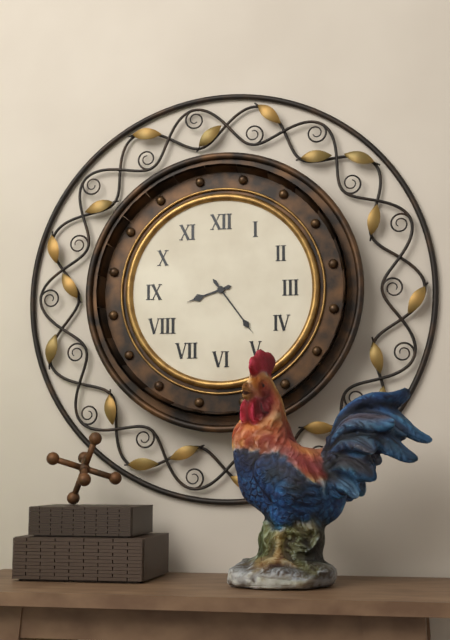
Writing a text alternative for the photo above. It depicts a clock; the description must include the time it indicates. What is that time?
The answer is 8:24
